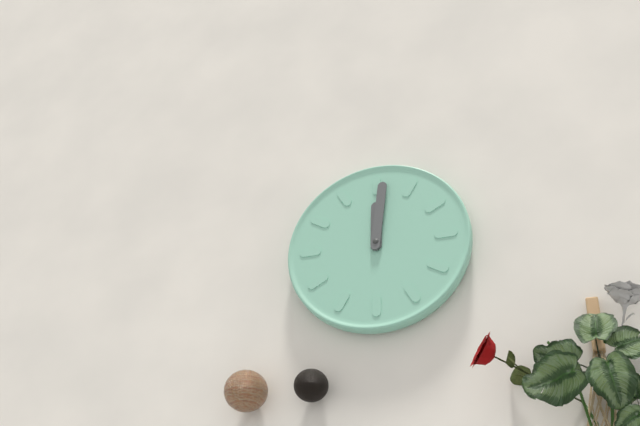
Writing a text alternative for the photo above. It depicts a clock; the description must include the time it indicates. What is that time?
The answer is 12:01
